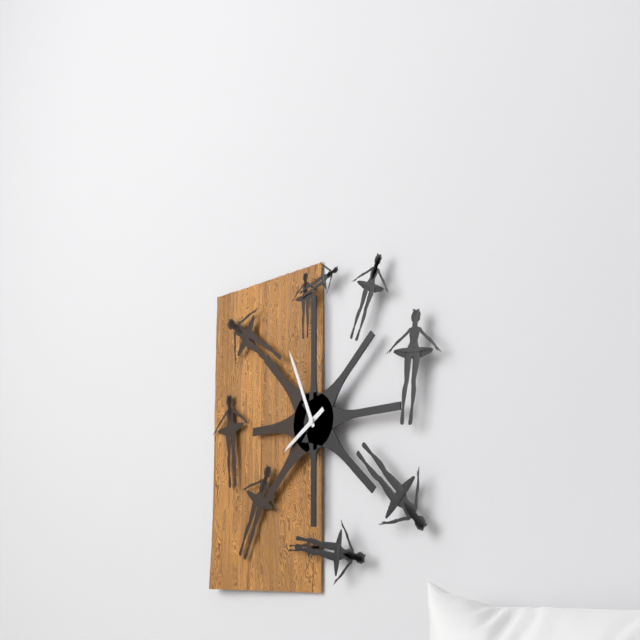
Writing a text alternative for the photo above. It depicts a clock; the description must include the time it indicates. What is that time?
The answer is 7:56
